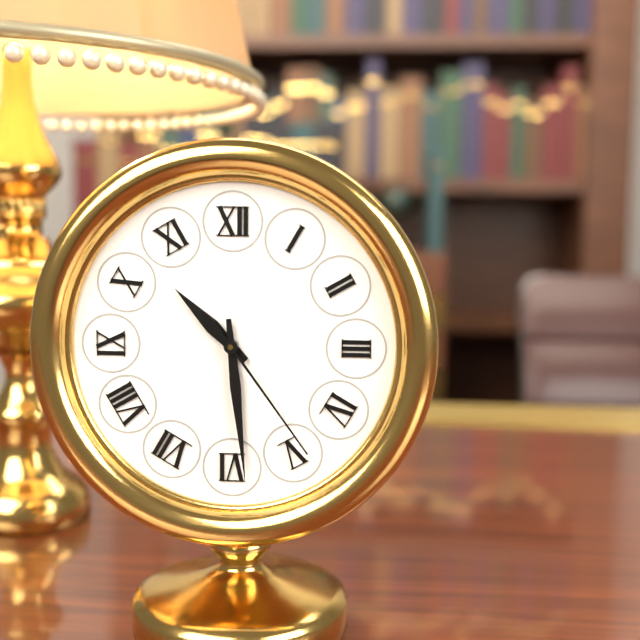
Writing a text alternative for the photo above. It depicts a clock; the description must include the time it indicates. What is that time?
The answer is 10:29:24
